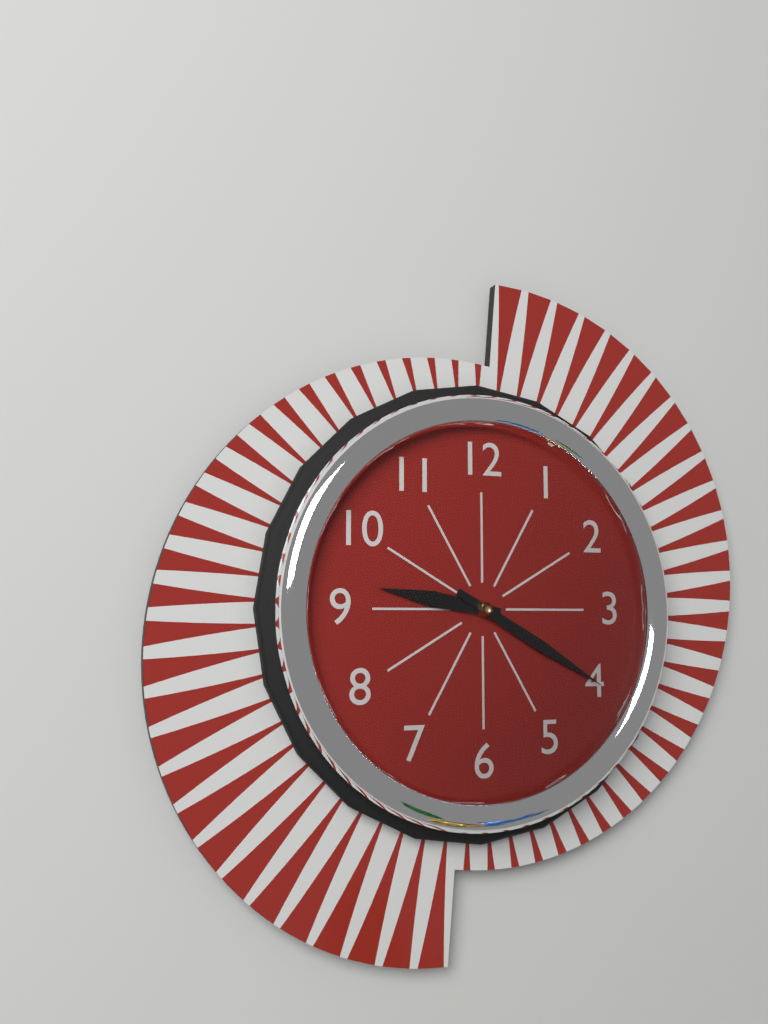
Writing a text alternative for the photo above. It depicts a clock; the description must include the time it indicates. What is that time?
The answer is 9:20
